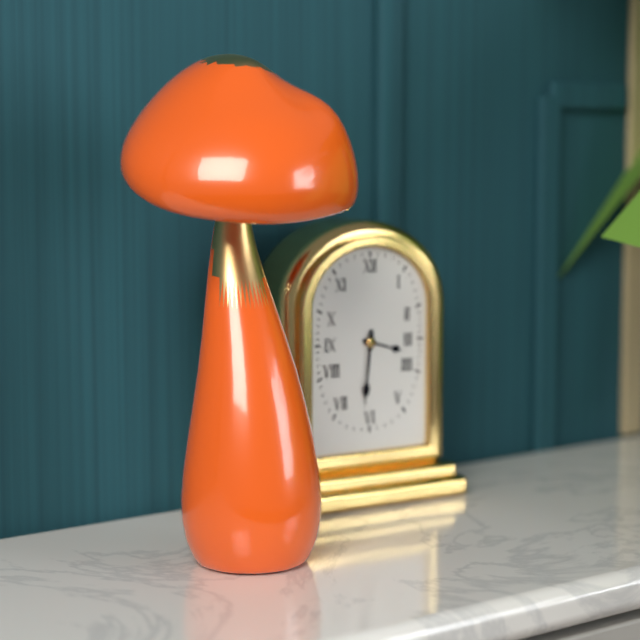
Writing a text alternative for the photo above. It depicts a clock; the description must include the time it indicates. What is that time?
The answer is 3:31
